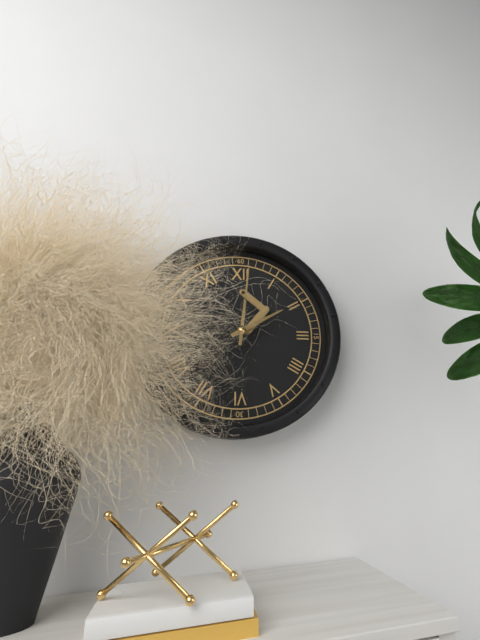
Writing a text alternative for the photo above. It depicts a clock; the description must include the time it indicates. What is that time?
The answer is 2:01
